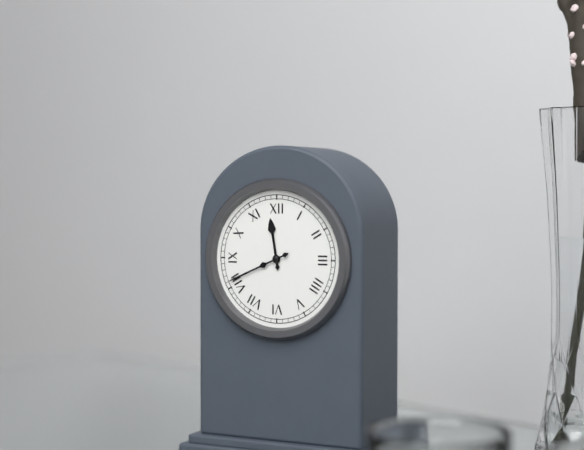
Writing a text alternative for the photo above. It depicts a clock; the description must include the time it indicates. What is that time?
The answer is 11:41
